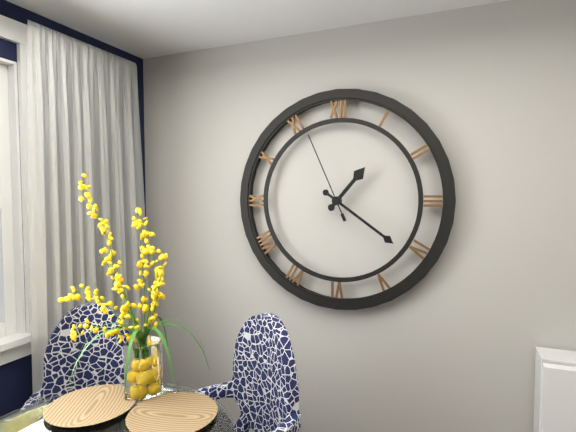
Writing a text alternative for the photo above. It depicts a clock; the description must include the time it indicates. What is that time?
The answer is 1:21:56
